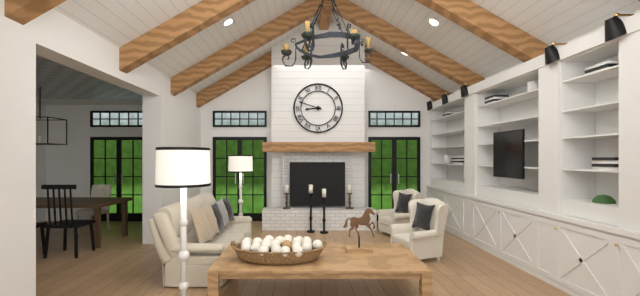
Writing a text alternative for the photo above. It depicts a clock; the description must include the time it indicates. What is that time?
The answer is 8:48
